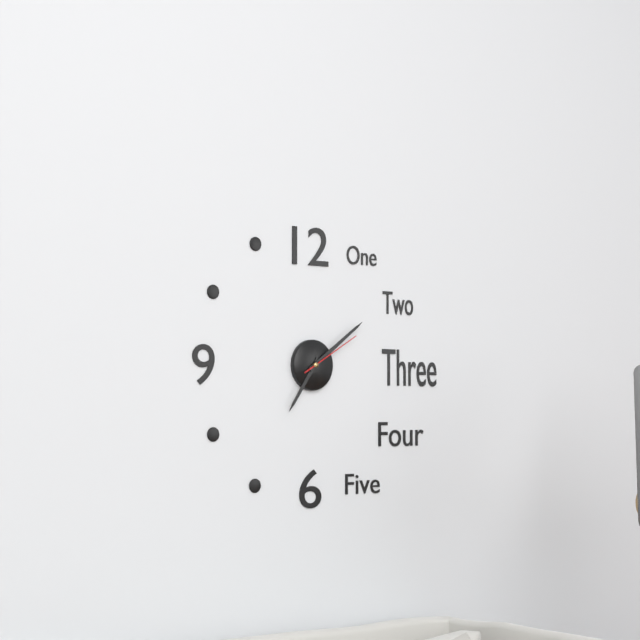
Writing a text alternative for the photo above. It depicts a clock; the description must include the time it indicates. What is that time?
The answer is 7:09:10
